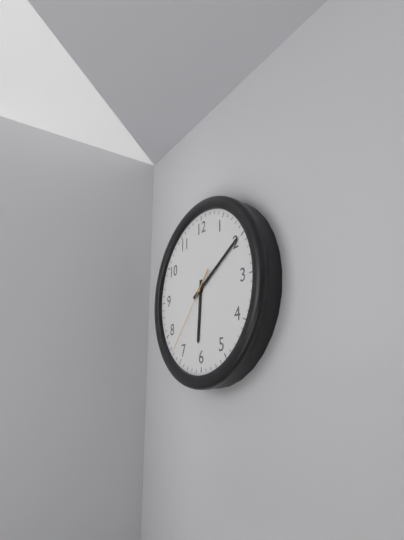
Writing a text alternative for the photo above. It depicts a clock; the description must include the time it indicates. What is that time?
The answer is 6:10:37
